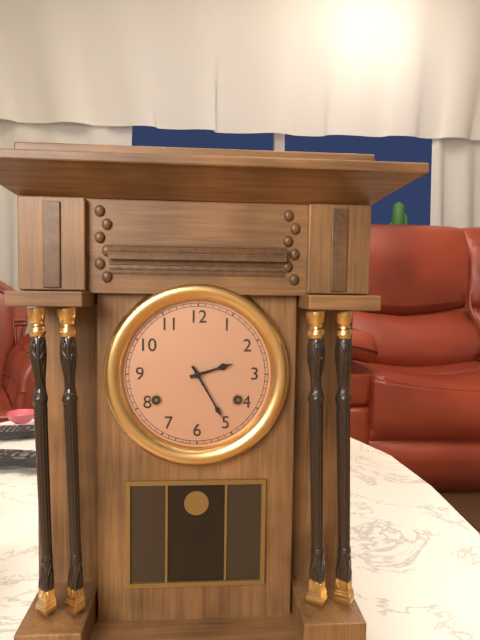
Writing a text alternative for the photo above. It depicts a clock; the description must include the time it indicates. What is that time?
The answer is 2:25
